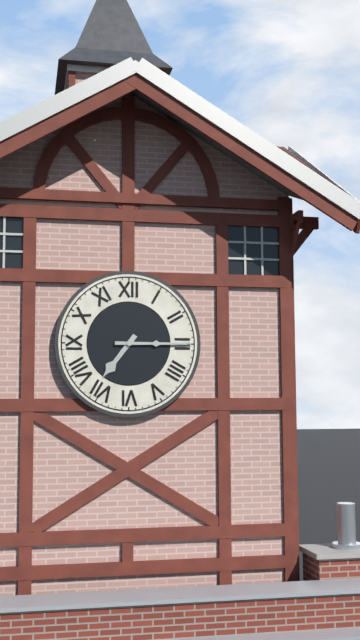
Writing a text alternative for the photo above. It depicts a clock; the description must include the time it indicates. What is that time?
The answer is 7:15
